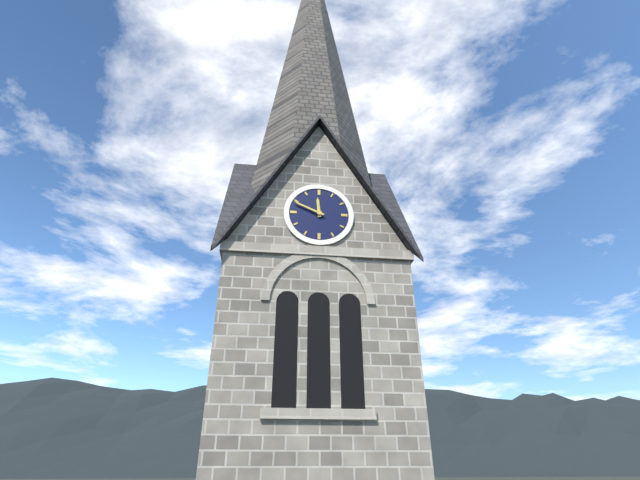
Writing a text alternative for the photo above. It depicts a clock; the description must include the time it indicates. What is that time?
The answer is 11:49
